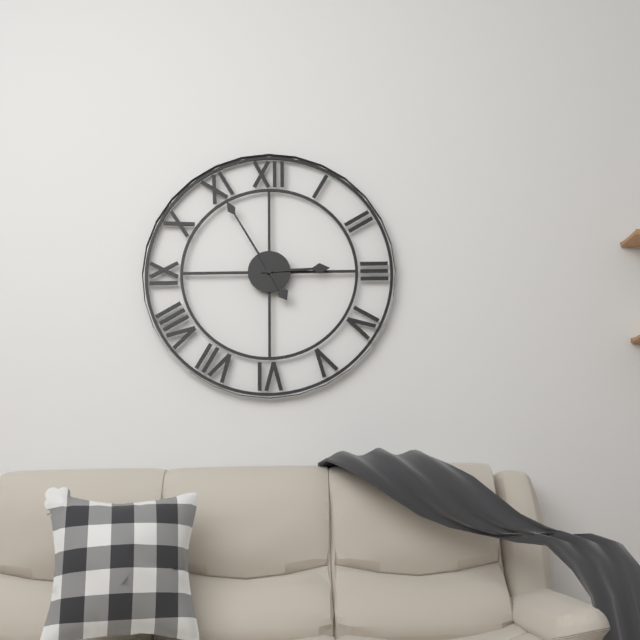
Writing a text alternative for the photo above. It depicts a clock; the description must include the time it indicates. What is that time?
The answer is 2:55
